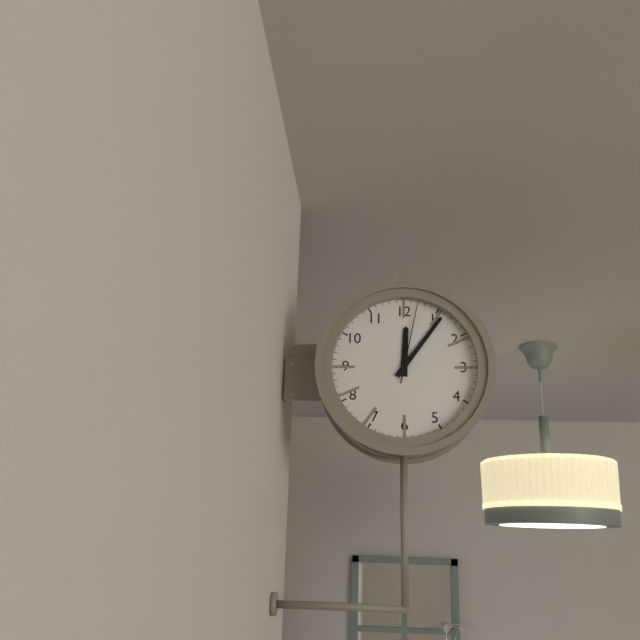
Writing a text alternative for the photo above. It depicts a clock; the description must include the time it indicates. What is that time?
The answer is 12:06:02
